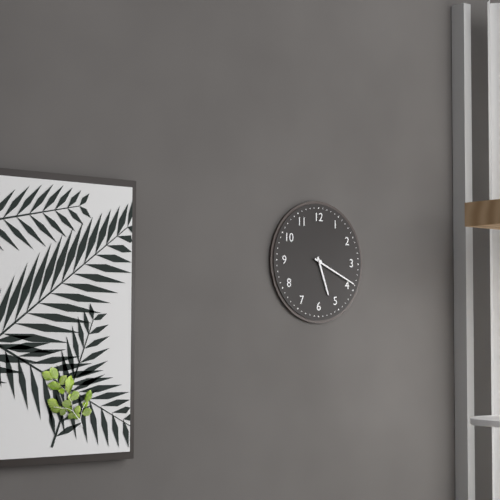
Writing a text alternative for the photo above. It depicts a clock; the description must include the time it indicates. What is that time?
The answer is 5:19
